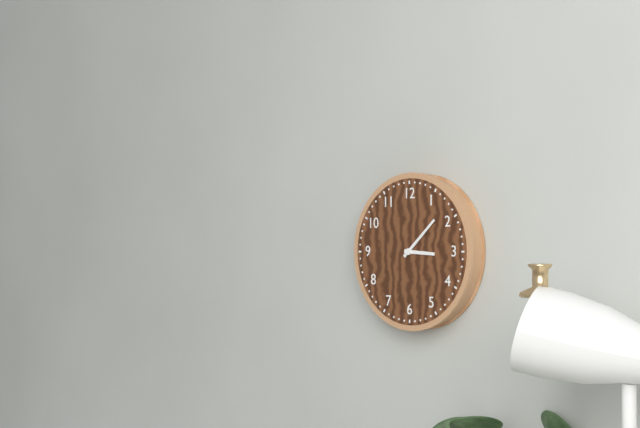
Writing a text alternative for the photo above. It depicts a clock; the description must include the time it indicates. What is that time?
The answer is 3:08
